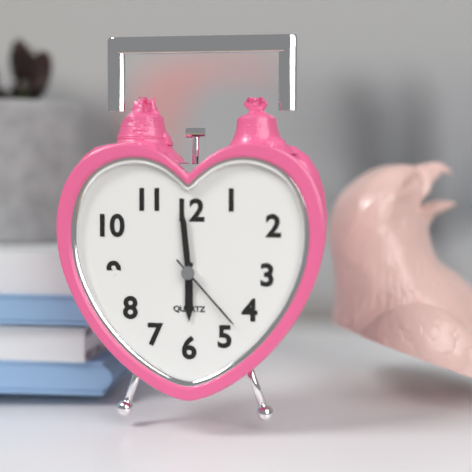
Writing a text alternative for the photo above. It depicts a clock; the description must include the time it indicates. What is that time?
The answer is 5:59:23
